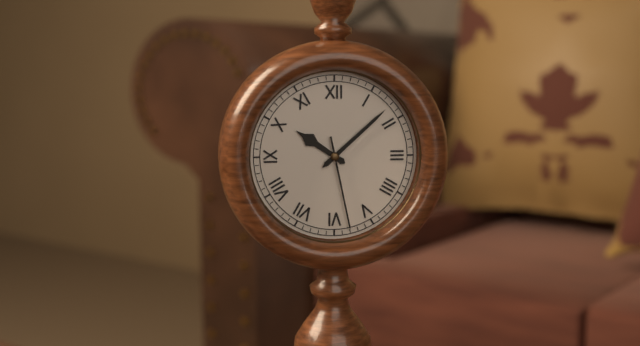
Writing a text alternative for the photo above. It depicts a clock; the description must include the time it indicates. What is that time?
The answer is 10:08:28
